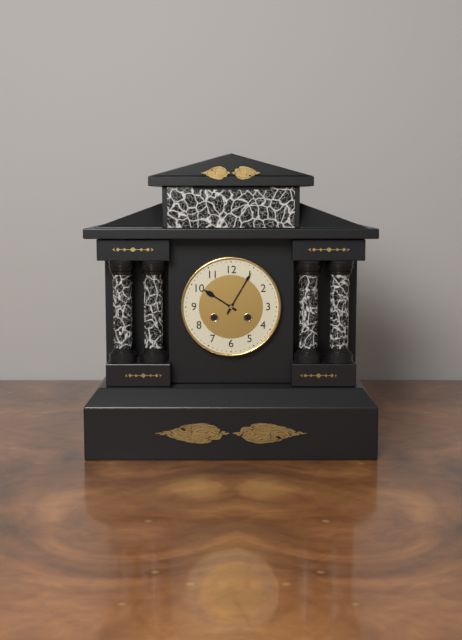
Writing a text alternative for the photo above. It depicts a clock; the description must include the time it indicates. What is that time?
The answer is 10:05
